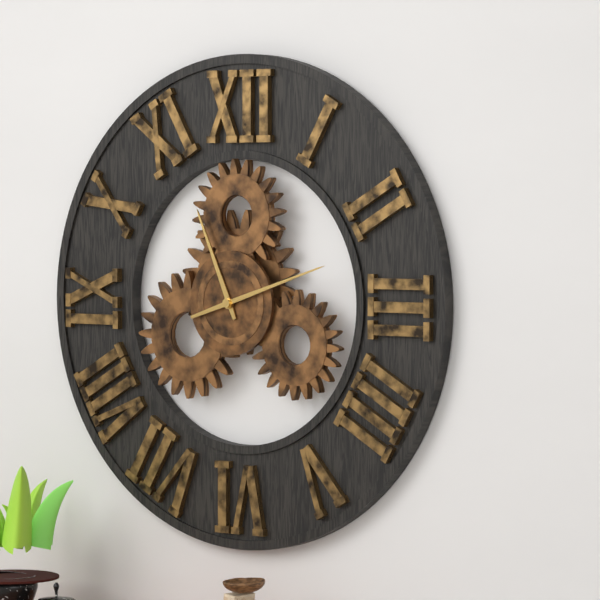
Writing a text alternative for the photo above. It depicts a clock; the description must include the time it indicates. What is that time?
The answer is 11:12
